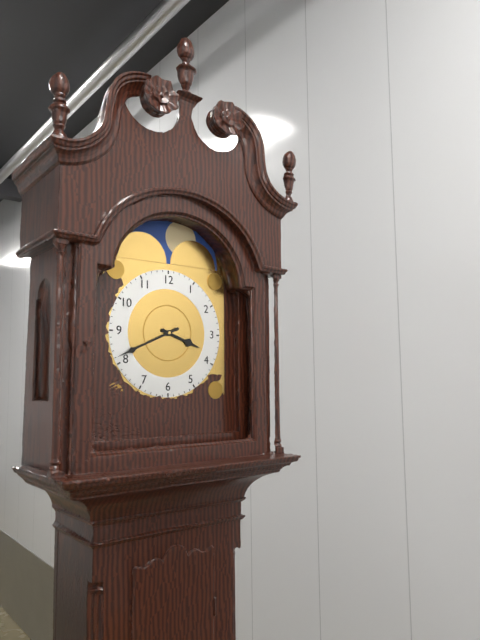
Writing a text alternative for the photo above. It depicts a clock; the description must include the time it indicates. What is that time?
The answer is 3:41
